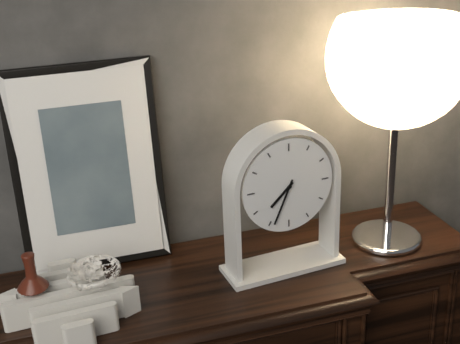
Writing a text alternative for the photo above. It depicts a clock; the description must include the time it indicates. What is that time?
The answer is 7:34
